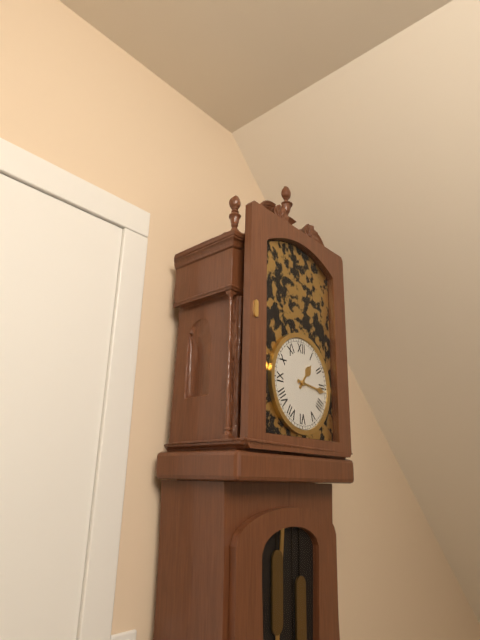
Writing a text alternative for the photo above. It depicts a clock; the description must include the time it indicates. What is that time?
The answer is 1:16
